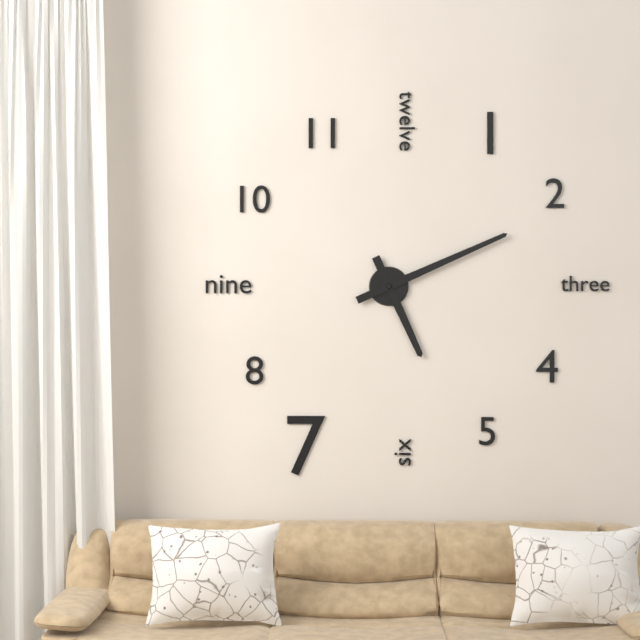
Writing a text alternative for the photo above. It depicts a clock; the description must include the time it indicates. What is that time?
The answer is 5:11
